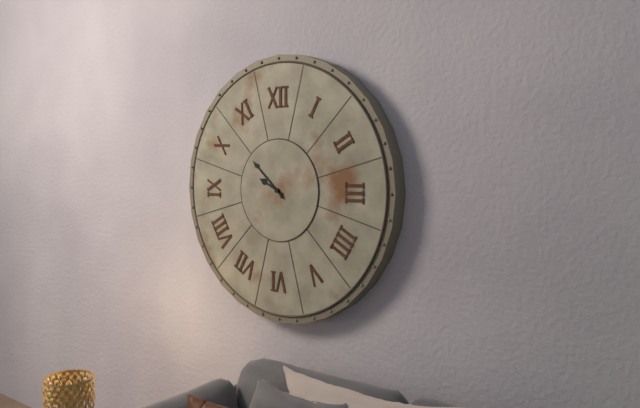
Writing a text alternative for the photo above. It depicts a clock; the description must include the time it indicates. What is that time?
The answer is 9:52
